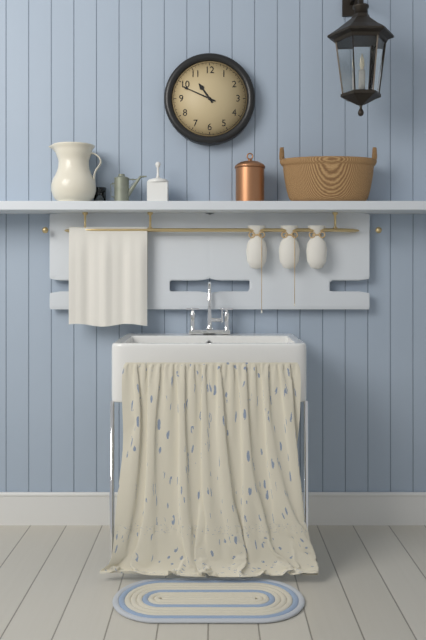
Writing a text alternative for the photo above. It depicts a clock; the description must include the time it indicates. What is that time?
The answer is 10:49
